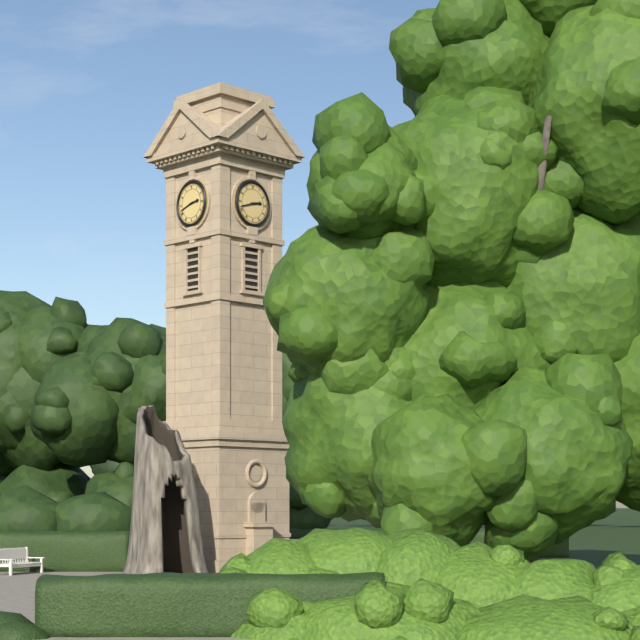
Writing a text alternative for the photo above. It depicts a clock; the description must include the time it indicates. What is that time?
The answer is 2:42
